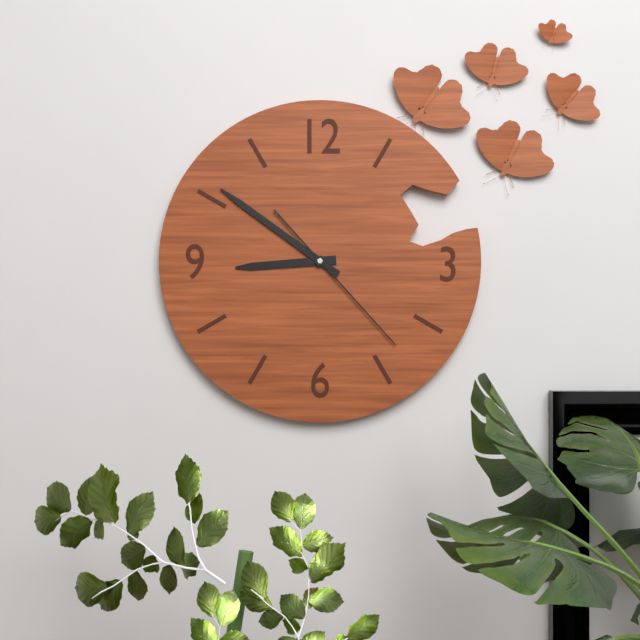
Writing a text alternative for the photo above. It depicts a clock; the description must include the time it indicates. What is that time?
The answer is 8:51:23
